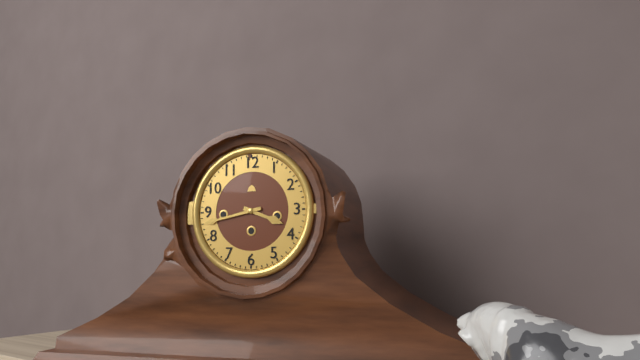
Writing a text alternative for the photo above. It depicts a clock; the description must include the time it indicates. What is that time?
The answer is 3:43
